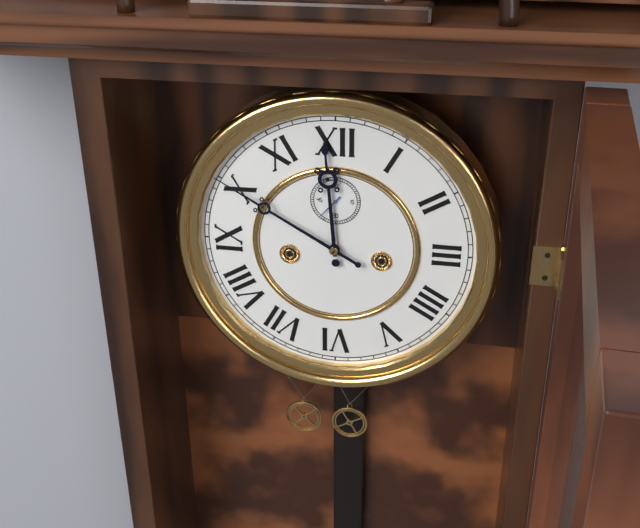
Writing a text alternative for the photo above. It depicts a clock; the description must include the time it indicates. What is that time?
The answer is 11:50
